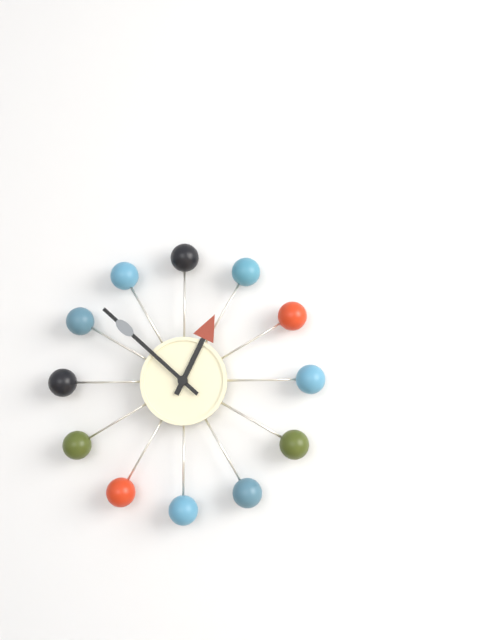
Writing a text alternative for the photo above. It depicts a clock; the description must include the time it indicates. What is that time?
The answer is 12:52
